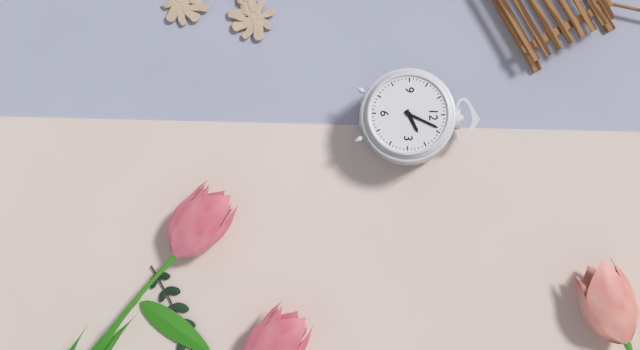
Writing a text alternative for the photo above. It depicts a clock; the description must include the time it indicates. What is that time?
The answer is 2:04
